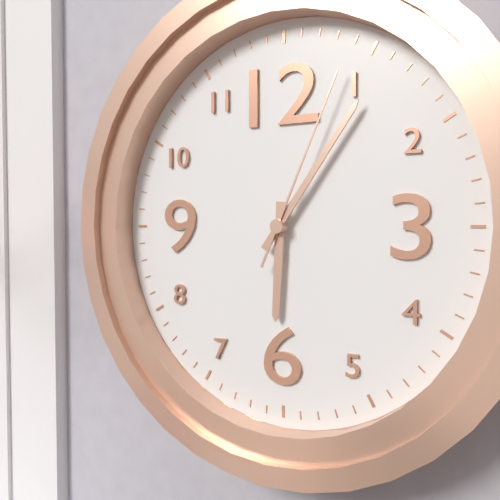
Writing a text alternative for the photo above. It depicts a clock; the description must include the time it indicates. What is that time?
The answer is 6:06:04
